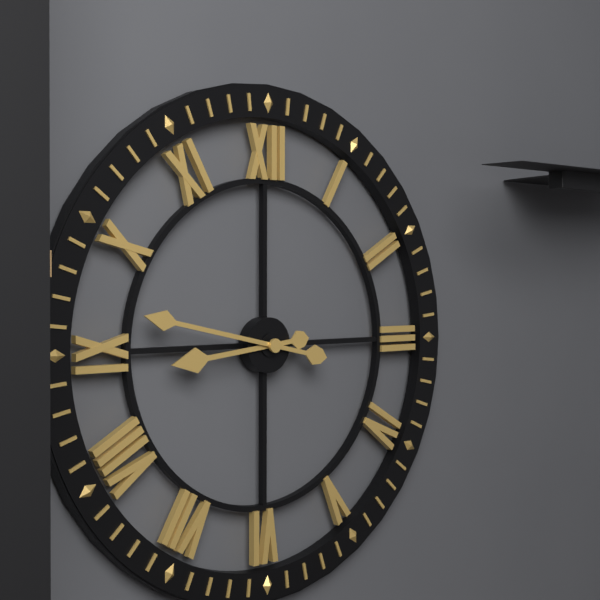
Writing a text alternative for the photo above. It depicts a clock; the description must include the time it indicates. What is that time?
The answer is 8:47
